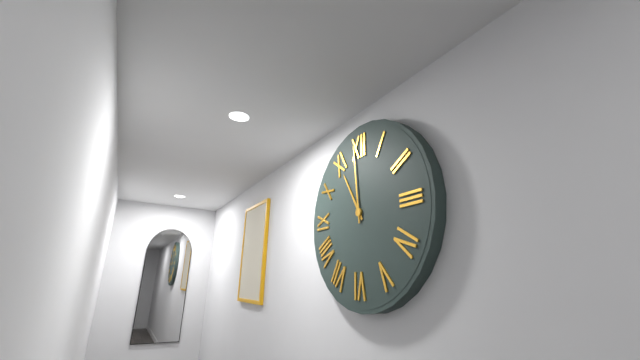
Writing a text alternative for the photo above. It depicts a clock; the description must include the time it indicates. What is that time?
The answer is 10:59
